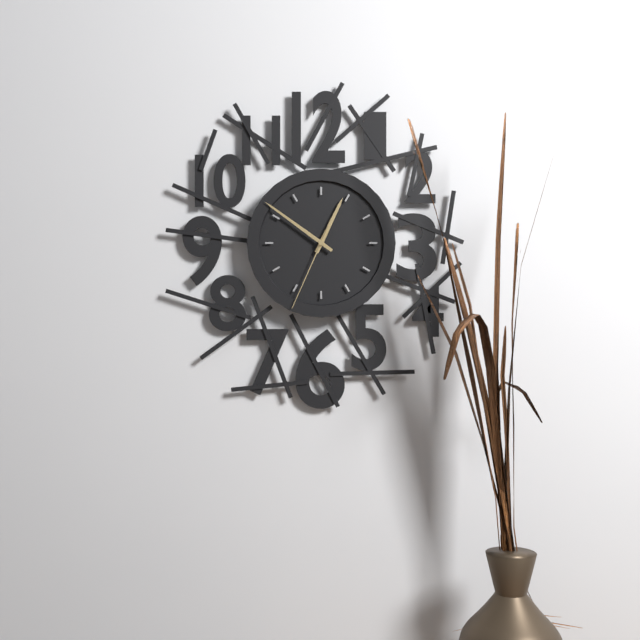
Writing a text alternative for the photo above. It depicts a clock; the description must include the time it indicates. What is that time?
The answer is 12:51:34
